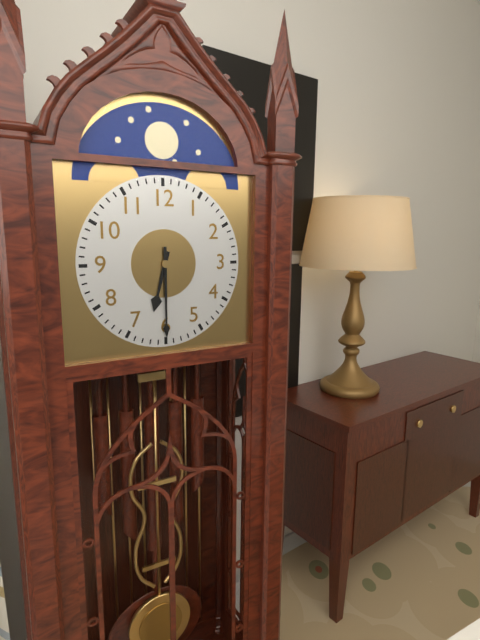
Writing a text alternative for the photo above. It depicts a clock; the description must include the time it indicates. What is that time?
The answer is 6:30
